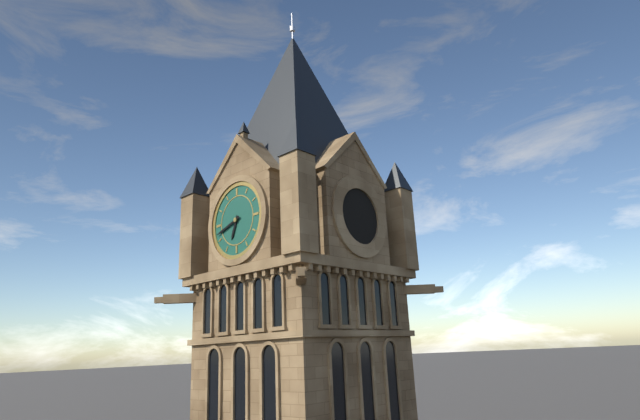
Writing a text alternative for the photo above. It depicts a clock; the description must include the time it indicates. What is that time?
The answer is 6:42
